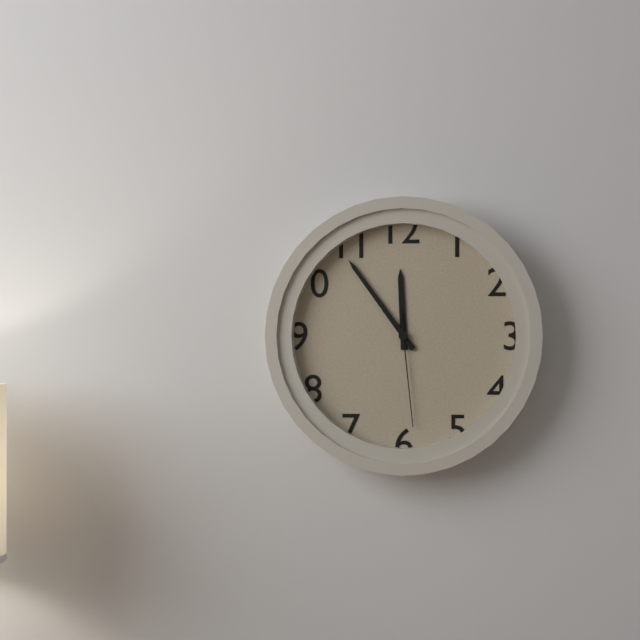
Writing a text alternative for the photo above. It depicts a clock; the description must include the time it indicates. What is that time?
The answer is 11:54:29
